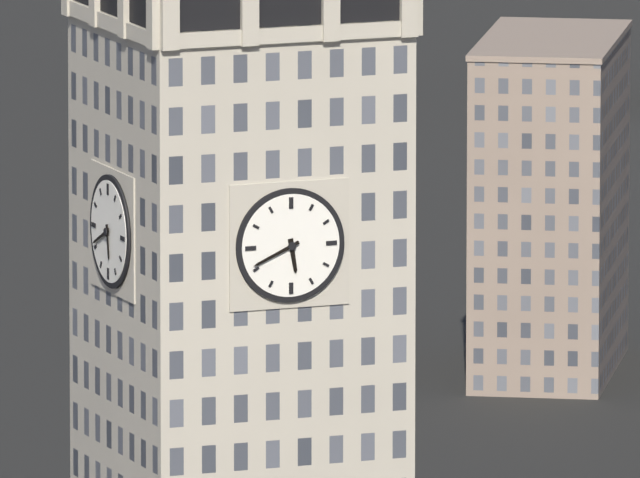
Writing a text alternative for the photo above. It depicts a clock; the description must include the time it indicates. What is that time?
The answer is 5:41
